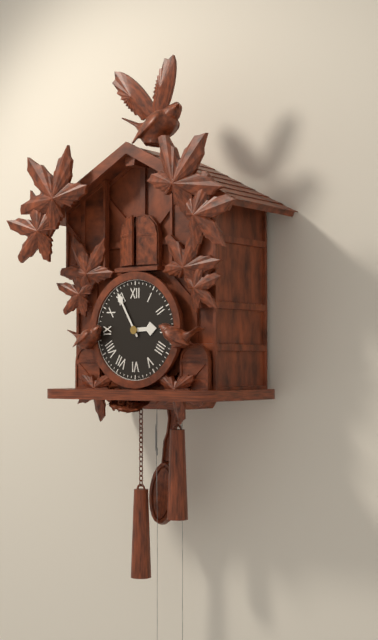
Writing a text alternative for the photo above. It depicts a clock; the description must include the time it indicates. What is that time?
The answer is 2:55
